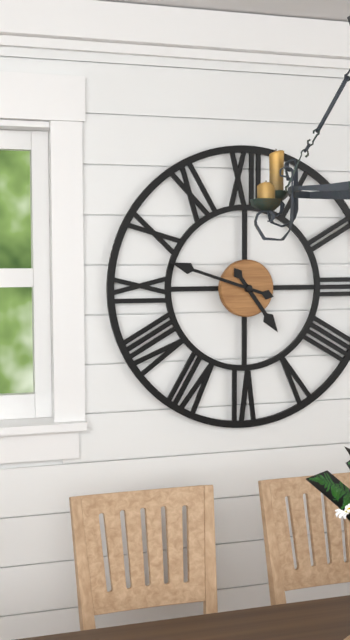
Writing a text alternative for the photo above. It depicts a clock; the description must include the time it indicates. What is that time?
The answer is 4:48
